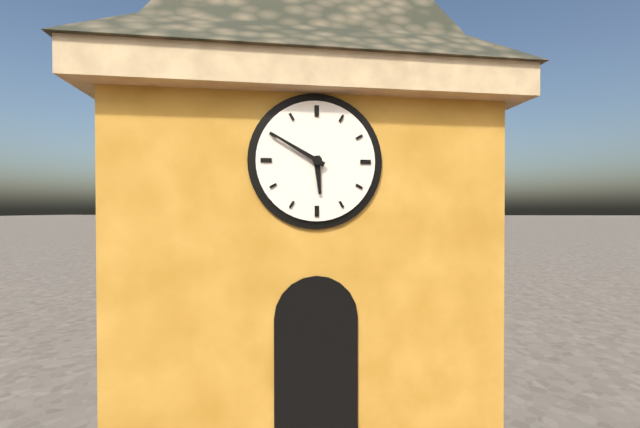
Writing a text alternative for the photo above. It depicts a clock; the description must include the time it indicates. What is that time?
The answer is 5:50
